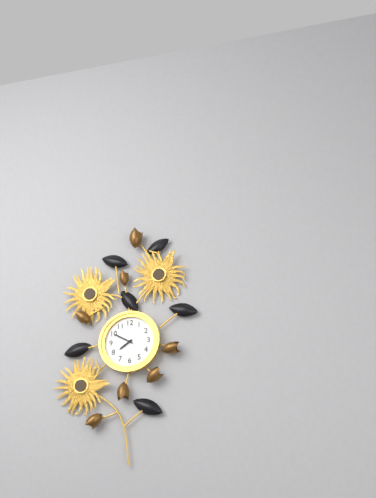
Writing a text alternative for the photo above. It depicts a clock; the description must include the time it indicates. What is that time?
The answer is 7:50
